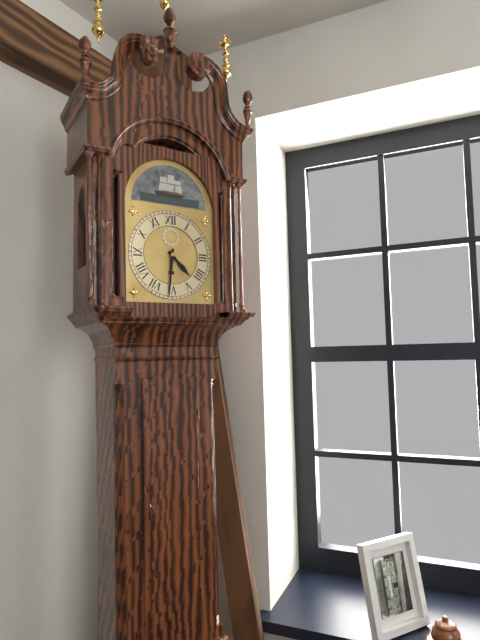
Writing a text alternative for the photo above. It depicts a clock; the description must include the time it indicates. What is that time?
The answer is 4:31
